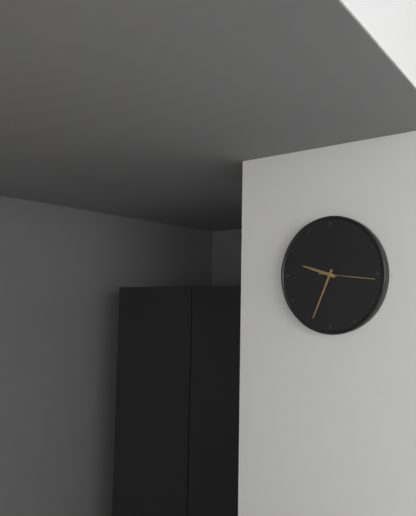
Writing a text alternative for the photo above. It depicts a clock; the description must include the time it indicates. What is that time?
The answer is 9:34:16
